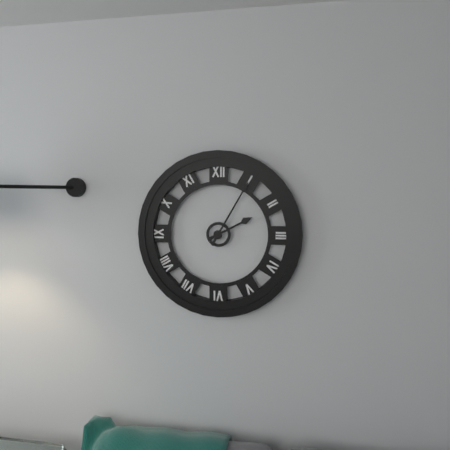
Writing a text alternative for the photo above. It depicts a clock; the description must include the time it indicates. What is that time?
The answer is 2:05
